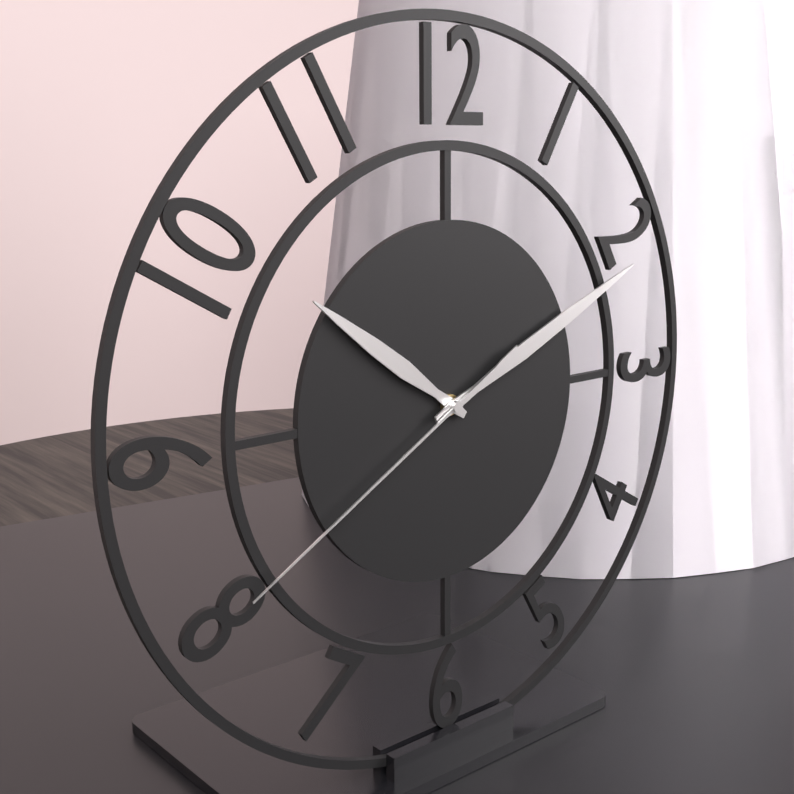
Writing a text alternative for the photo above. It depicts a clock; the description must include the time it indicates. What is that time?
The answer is 10:11:40
